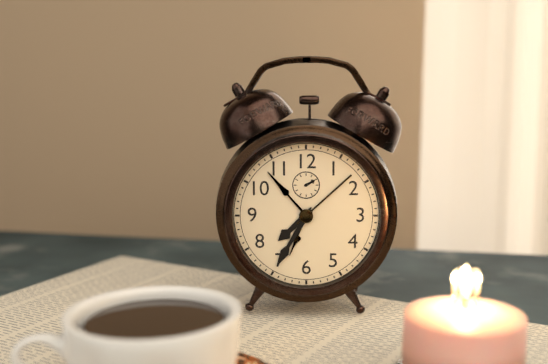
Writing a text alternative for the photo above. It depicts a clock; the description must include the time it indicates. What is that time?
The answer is 7:35
